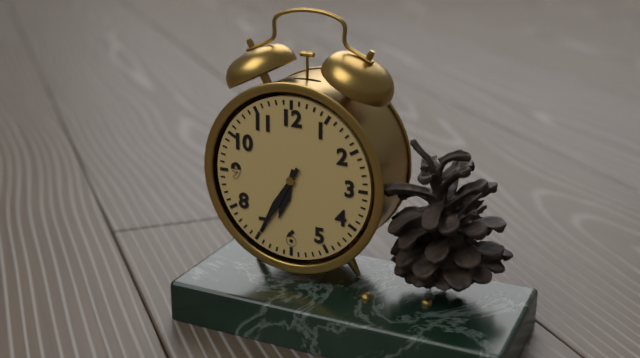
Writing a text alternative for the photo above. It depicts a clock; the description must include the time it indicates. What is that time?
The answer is 6:35
